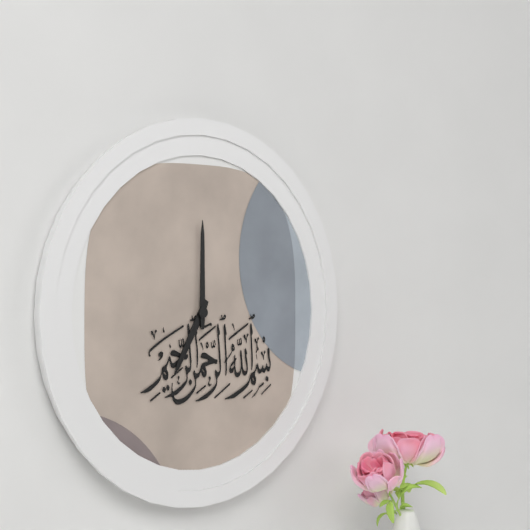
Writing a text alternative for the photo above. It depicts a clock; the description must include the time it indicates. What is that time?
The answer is 7:00
